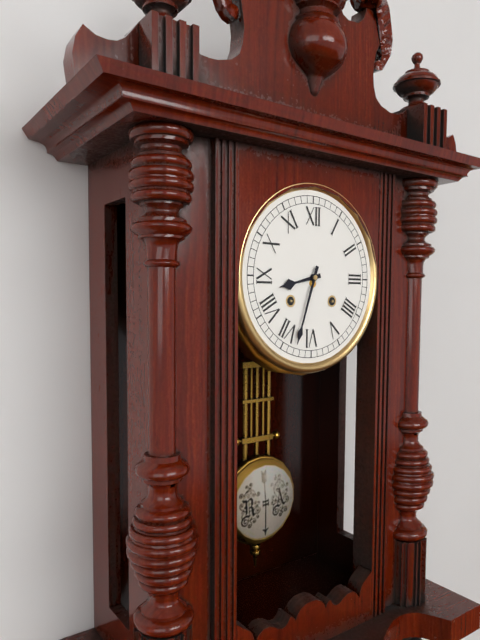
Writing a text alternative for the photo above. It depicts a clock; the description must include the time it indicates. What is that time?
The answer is 8:33
